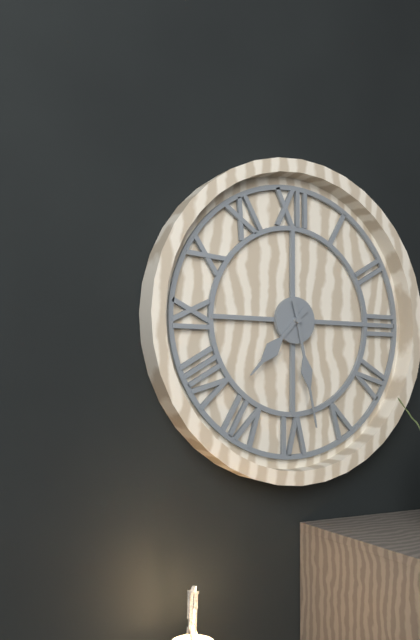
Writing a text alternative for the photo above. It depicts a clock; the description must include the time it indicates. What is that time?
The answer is 7:28
